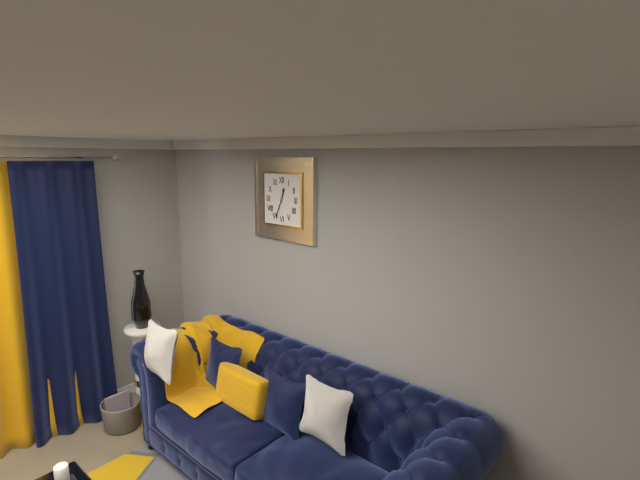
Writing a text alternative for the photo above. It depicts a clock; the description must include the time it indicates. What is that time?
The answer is 12:34
